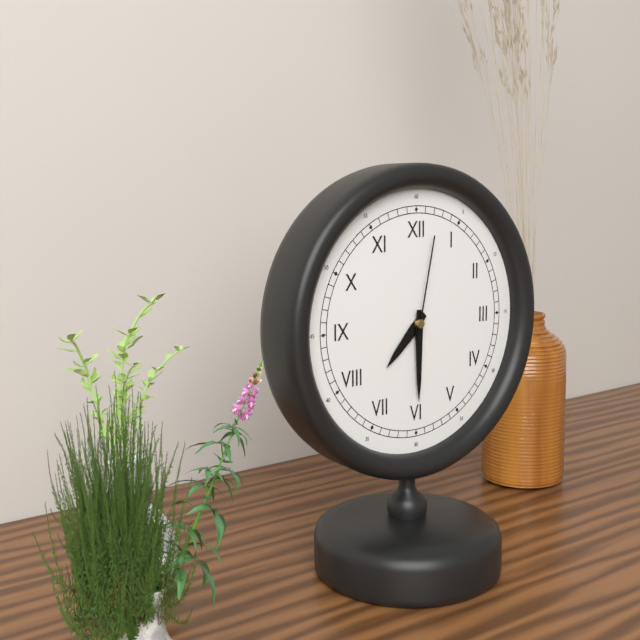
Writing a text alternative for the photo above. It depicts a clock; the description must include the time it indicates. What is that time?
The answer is 7:30:02
